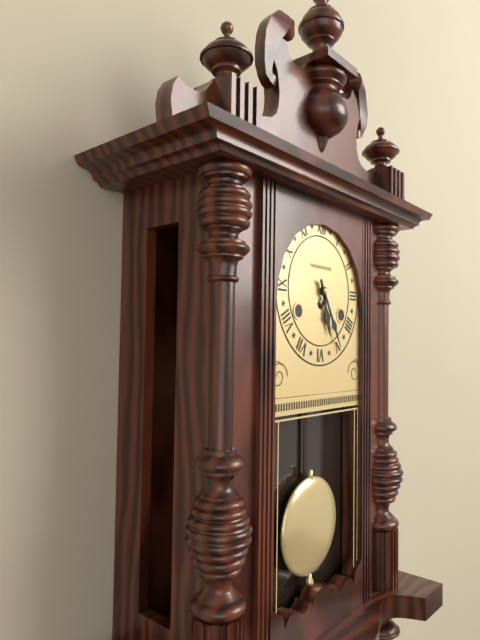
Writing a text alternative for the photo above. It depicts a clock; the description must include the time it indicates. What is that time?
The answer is 5:25
